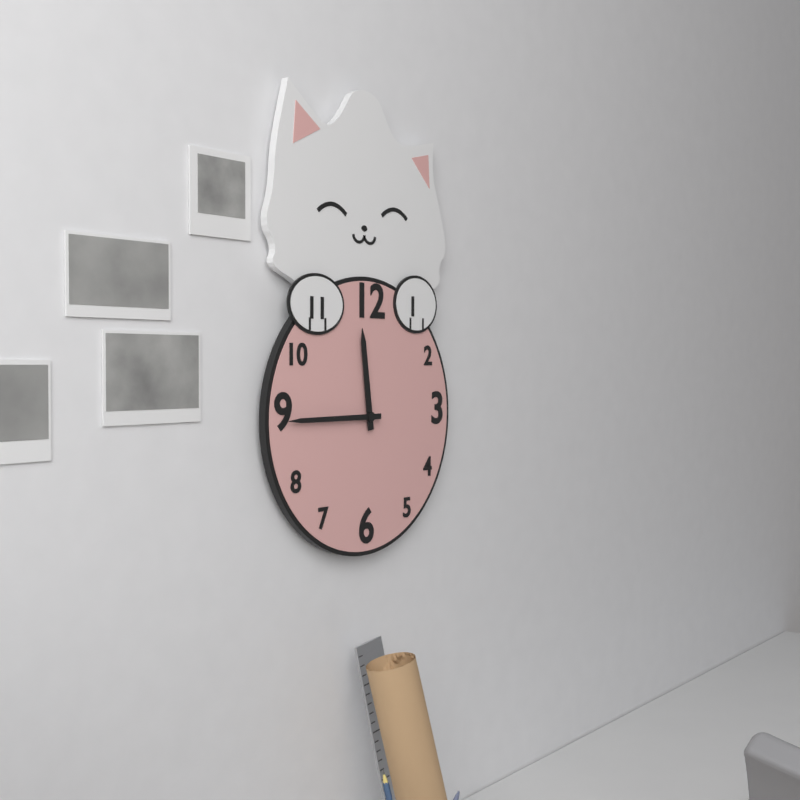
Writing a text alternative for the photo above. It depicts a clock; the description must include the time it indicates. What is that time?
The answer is 11:45
